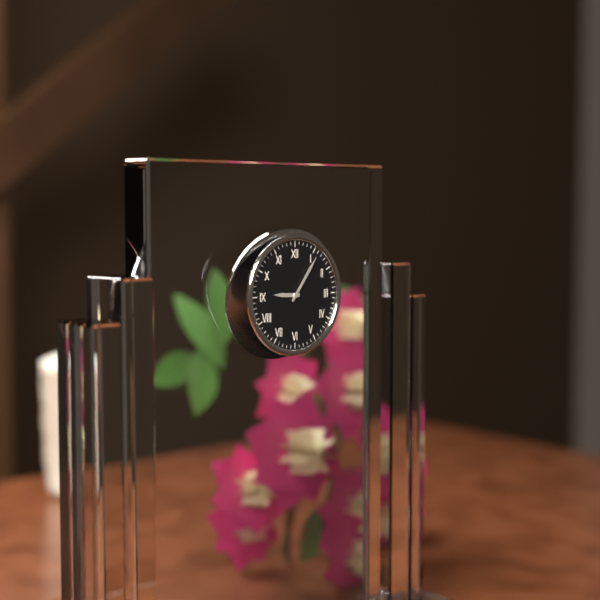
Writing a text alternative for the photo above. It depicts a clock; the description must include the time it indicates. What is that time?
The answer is 9:06
